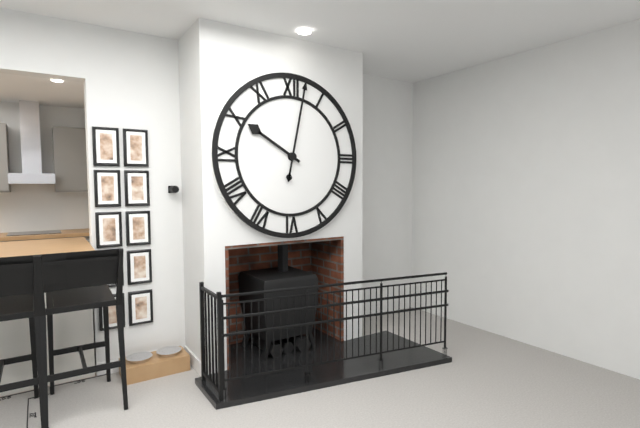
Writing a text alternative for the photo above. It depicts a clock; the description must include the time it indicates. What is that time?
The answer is 10:02
